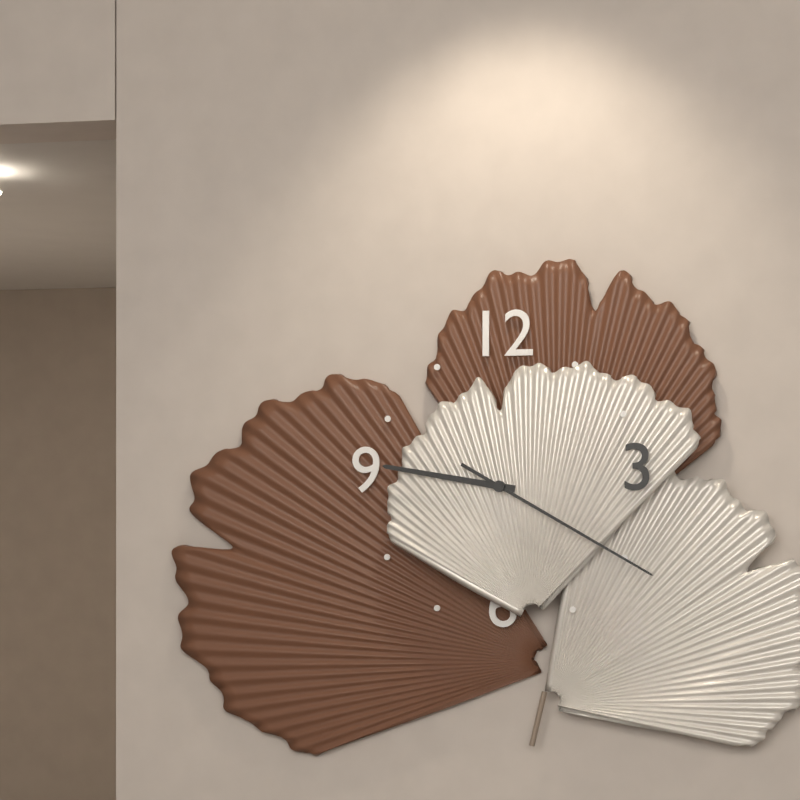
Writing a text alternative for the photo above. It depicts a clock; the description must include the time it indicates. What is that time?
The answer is 9:20
